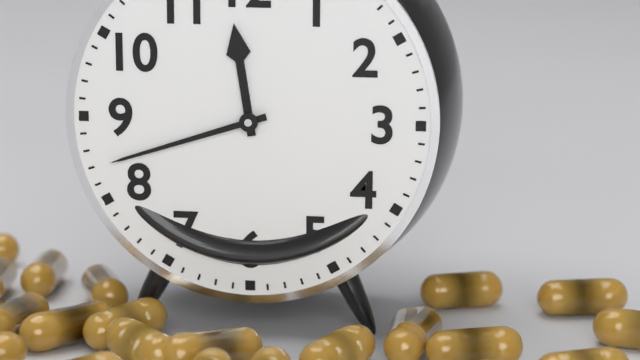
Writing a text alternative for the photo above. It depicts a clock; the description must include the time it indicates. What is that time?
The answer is 11:42
